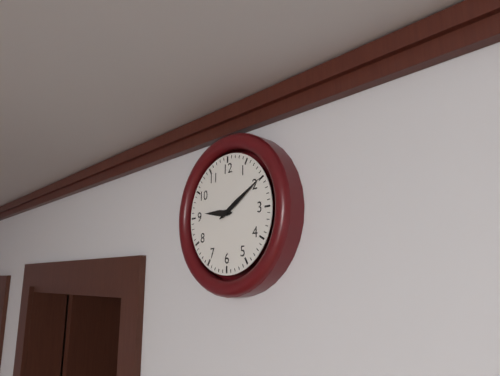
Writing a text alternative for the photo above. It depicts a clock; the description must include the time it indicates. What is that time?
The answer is 9:10
